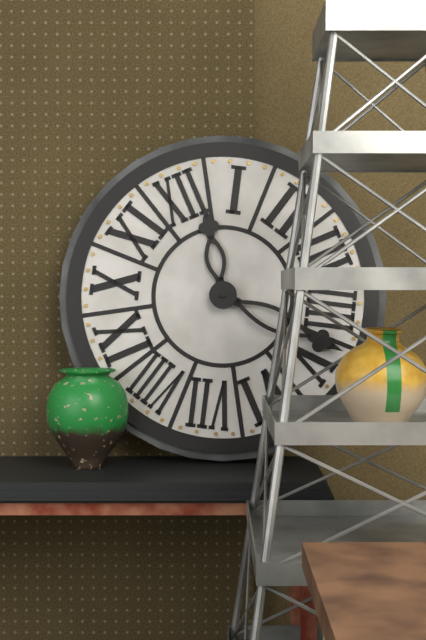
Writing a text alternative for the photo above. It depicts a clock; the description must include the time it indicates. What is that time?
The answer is 12:23
